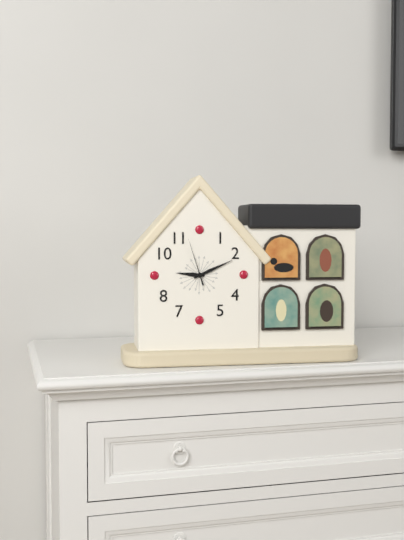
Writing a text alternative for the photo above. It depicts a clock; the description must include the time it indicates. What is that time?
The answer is 9:11
